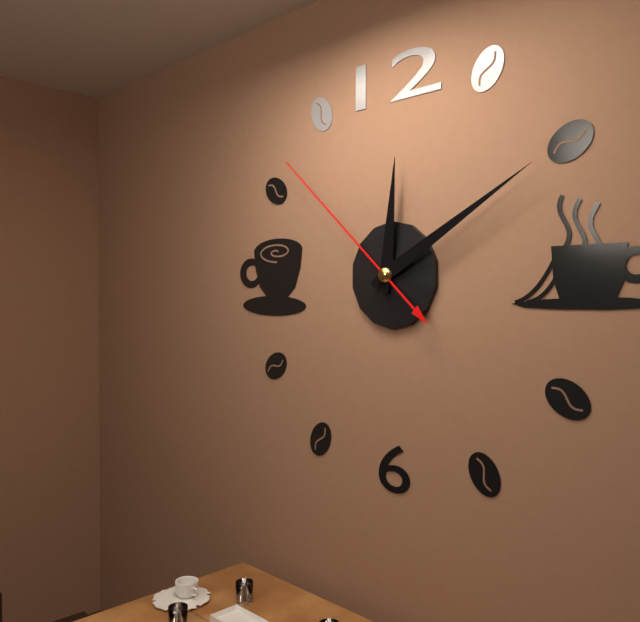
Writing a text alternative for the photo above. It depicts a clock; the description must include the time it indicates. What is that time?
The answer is 12:10:52
